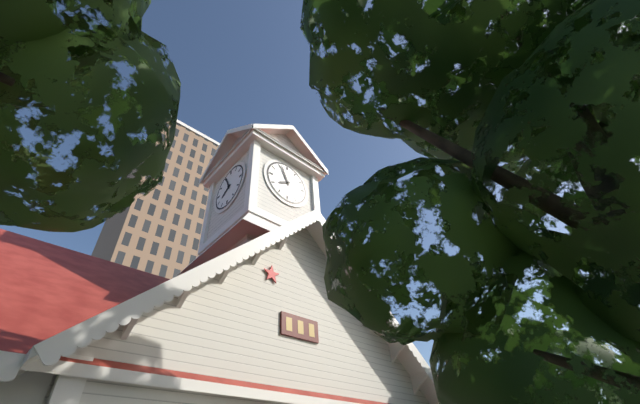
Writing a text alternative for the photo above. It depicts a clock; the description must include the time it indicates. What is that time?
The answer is 7:56
